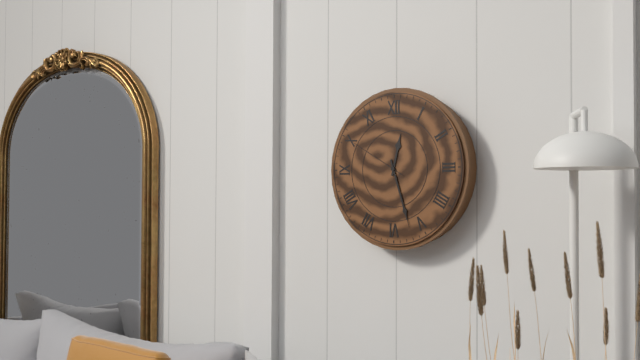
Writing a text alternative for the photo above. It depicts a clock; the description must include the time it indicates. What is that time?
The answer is 12:27:50
